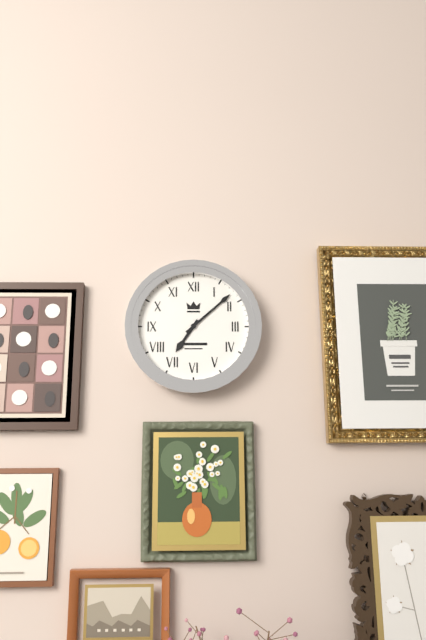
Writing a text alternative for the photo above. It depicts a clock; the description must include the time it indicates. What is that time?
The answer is 7:08
